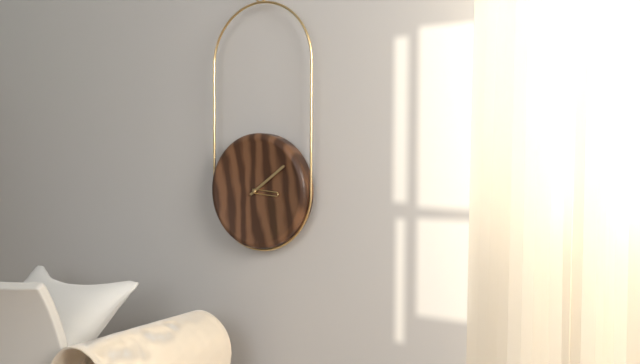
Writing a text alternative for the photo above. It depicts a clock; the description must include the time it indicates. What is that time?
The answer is 3:09
